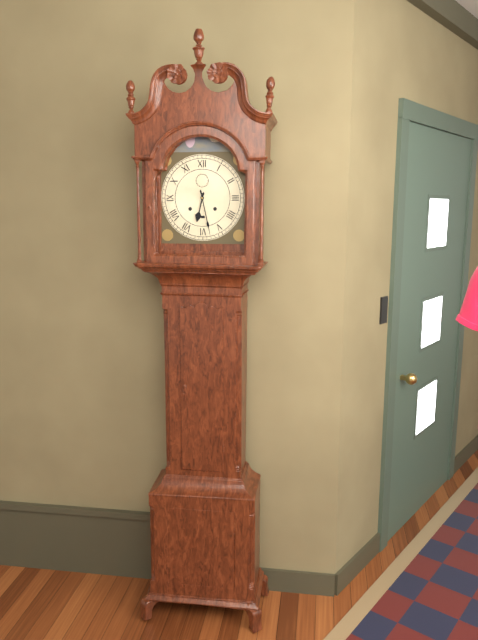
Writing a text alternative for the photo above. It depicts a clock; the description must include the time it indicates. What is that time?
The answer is 6:28
